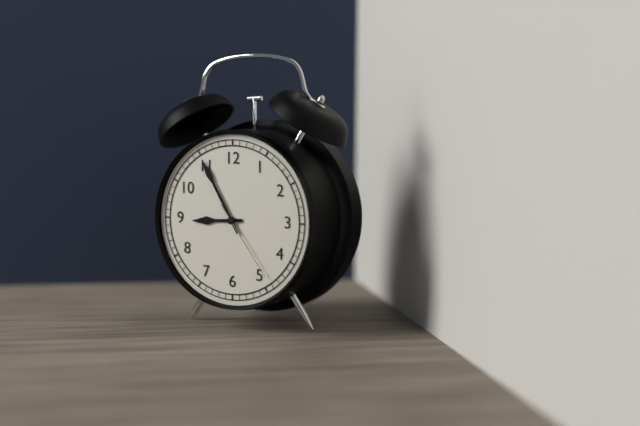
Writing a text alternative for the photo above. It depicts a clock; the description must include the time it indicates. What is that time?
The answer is 8:55:24
